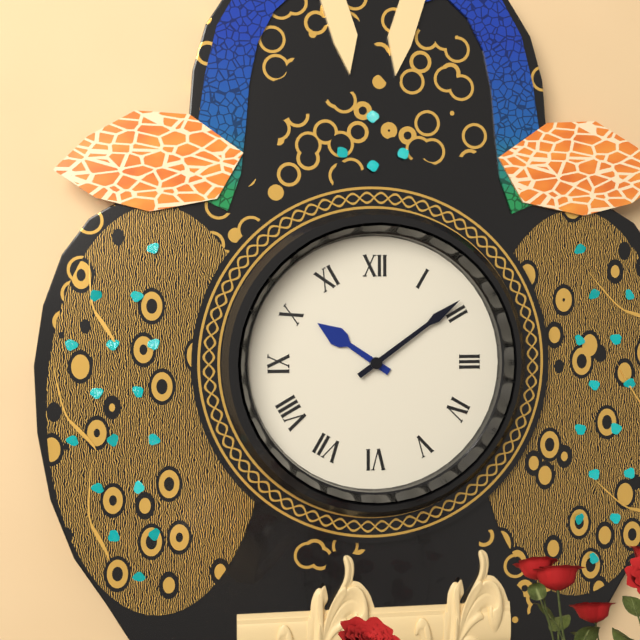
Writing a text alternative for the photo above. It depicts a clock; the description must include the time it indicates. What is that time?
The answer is 10:09
